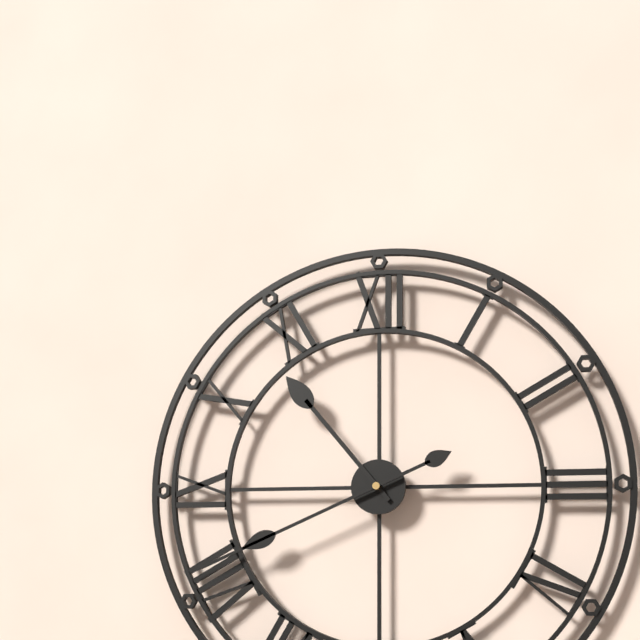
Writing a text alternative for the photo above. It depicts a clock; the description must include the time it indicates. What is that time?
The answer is 10:41
